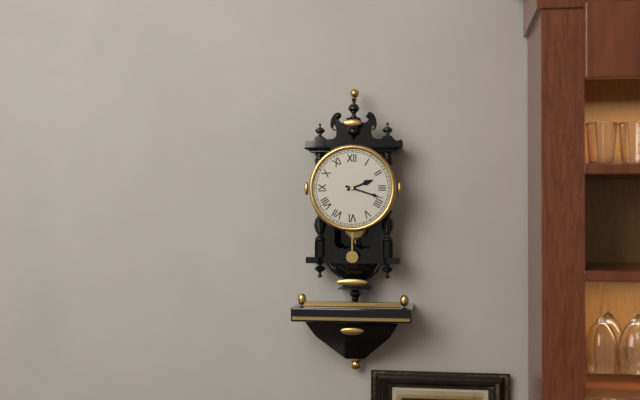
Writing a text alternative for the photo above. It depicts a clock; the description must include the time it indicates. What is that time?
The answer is 2:18
